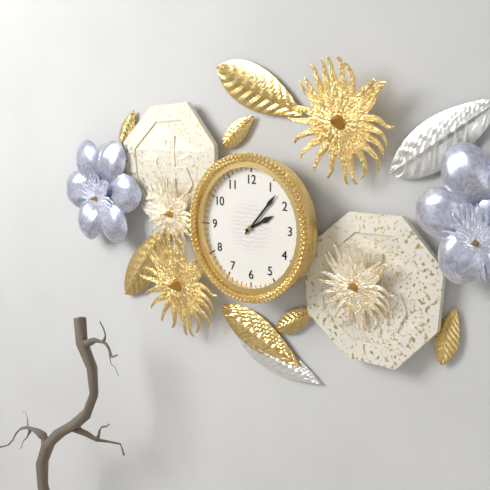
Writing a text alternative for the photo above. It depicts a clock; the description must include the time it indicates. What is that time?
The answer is 2:07
